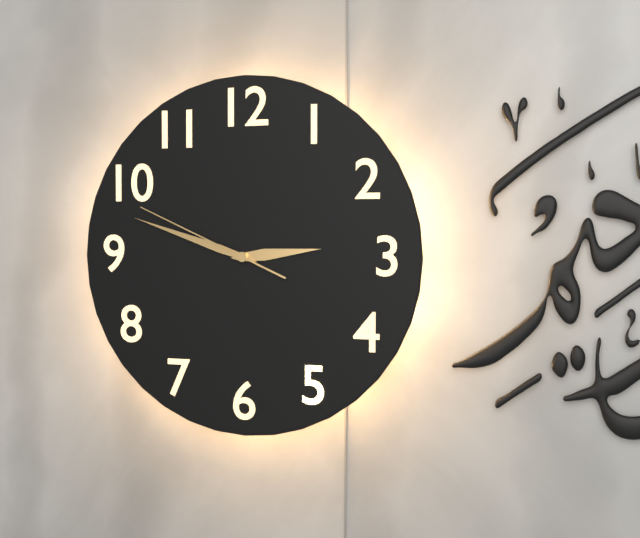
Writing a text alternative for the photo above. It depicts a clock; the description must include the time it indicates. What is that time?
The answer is 2:48:49
